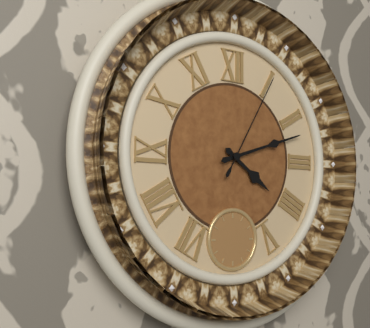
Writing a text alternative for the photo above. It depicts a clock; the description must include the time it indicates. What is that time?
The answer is 4:12:05
